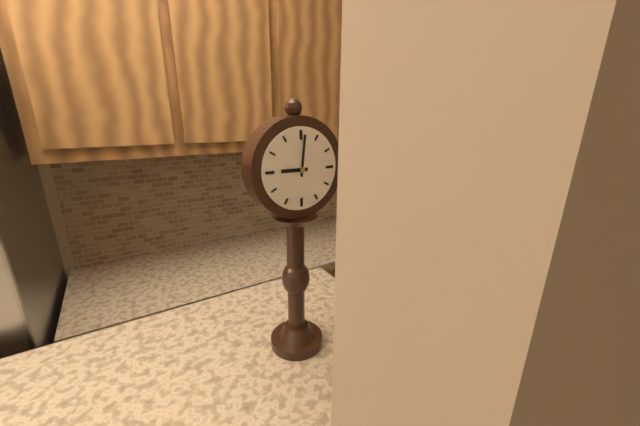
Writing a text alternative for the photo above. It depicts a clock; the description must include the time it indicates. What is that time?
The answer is 9:01
